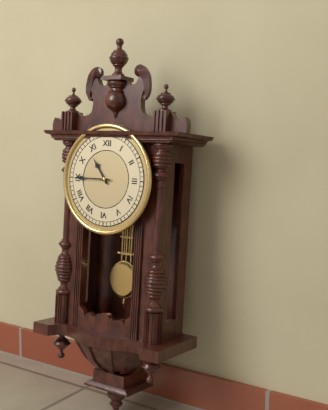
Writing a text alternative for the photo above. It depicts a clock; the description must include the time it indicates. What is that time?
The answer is 10:45
